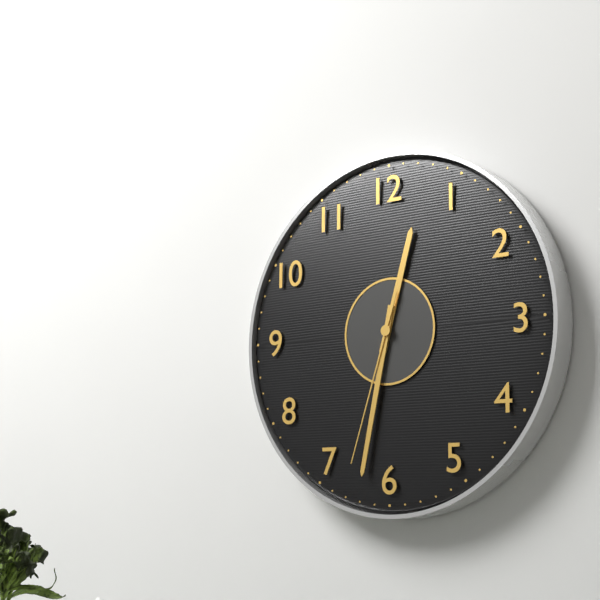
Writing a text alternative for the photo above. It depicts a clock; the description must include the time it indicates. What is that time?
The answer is 12:32:33
